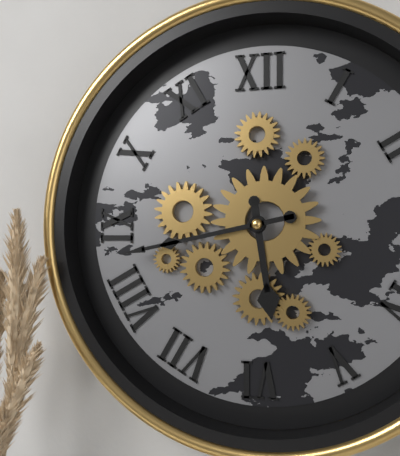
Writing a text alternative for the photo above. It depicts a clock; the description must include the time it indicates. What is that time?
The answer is 5:43
